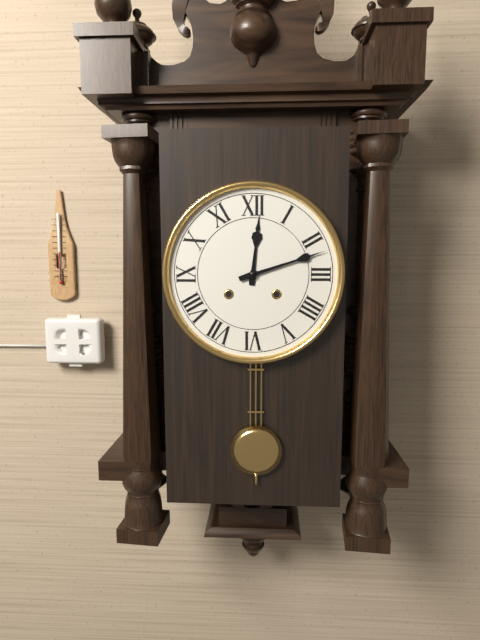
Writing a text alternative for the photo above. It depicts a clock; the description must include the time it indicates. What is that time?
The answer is 12:12
